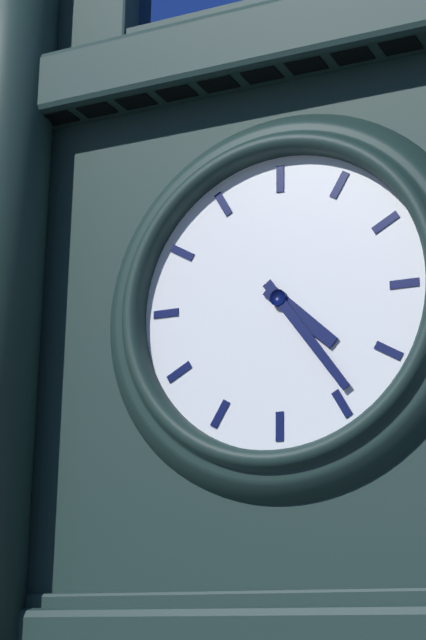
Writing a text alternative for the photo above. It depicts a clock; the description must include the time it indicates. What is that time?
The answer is 4:24
